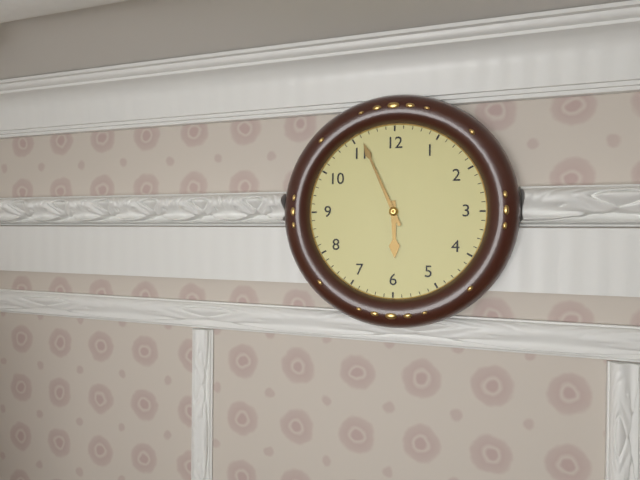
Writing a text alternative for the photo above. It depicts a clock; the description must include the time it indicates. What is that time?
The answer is 5:56
